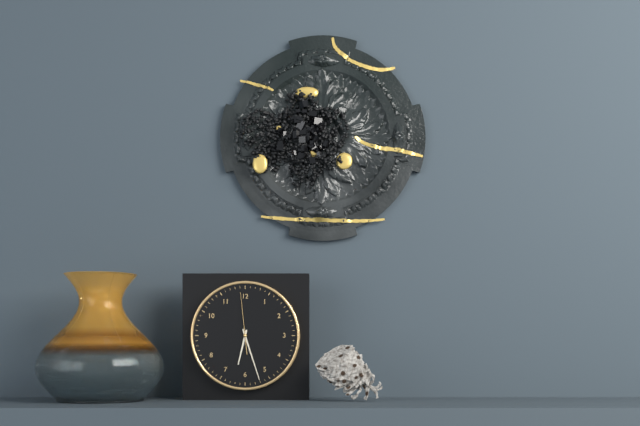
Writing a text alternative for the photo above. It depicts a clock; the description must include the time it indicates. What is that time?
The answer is 6:27:59
